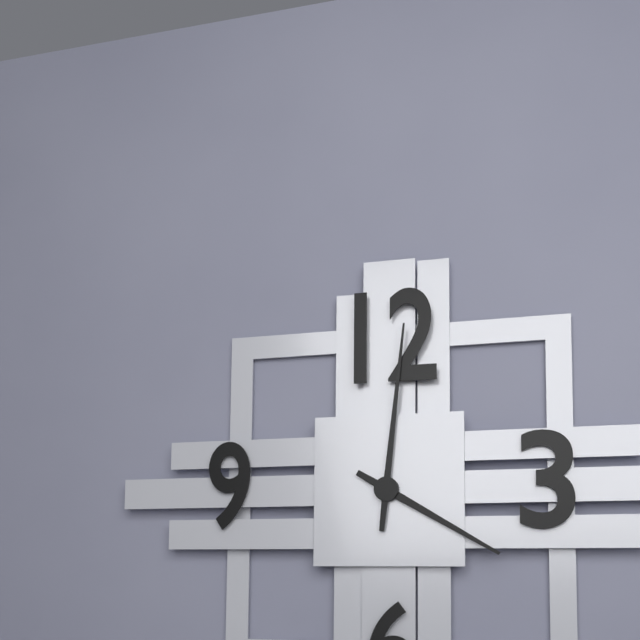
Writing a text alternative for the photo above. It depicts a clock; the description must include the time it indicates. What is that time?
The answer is 4:01
